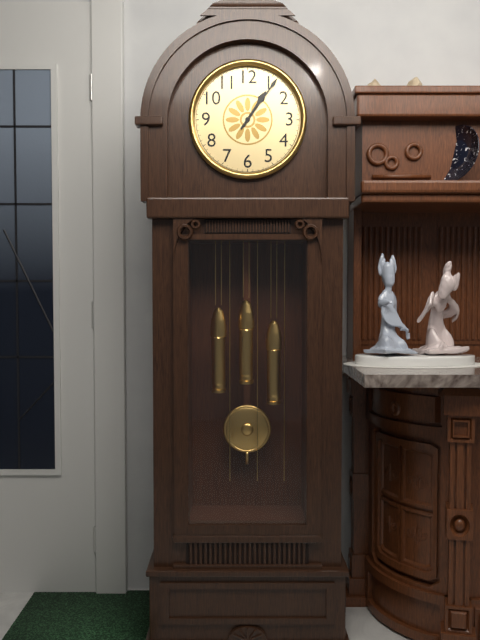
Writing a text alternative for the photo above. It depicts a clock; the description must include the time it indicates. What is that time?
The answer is 1:06
